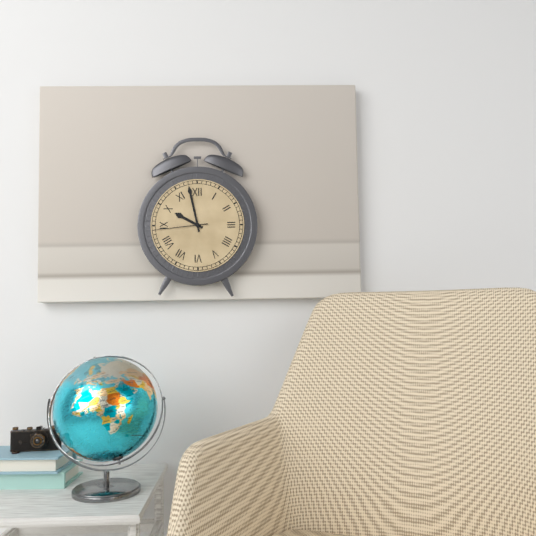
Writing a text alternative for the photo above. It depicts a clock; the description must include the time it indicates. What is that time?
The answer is 9:58:44
